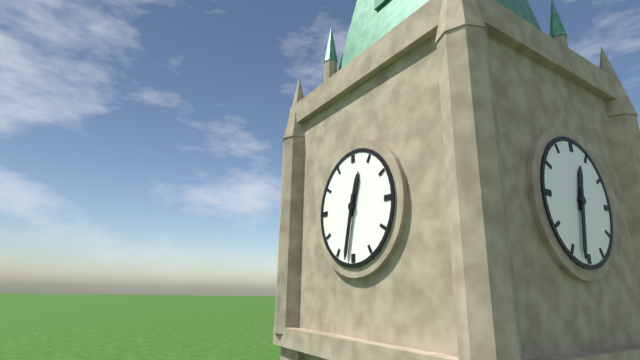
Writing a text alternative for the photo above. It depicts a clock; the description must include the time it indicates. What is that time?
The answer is 12:32
